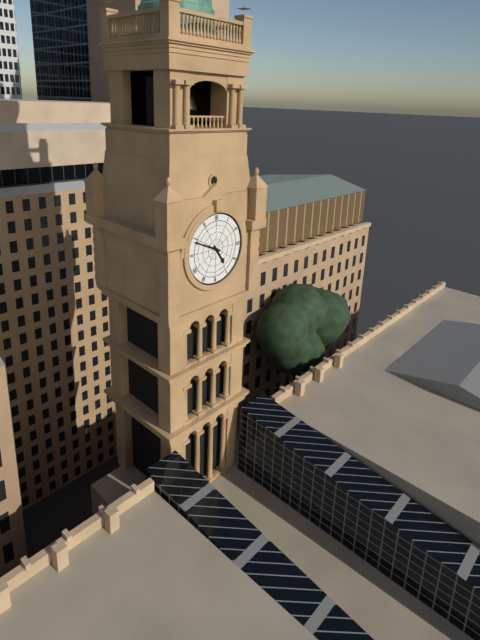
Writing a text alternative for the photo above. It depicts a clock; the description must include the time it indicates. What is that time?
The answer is 4:49
